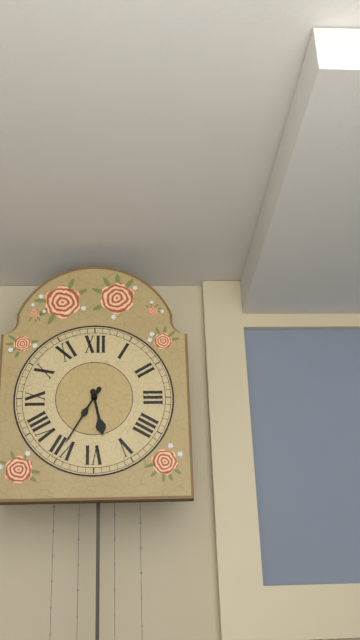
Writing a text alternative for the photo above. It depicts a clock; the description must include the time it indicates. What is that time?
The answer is 5:35
